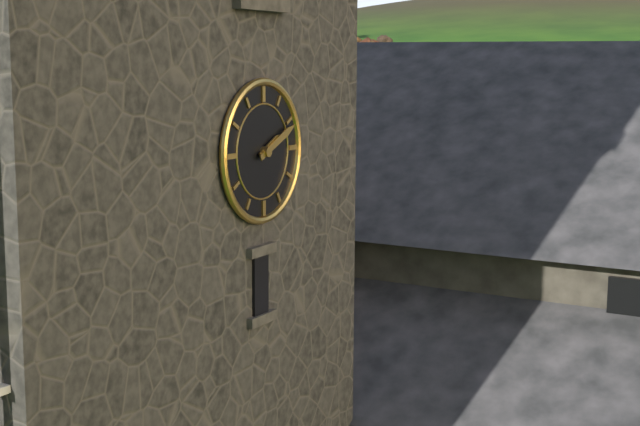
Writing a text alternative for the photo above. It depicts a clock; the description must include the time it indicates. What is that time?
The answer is 2:11
